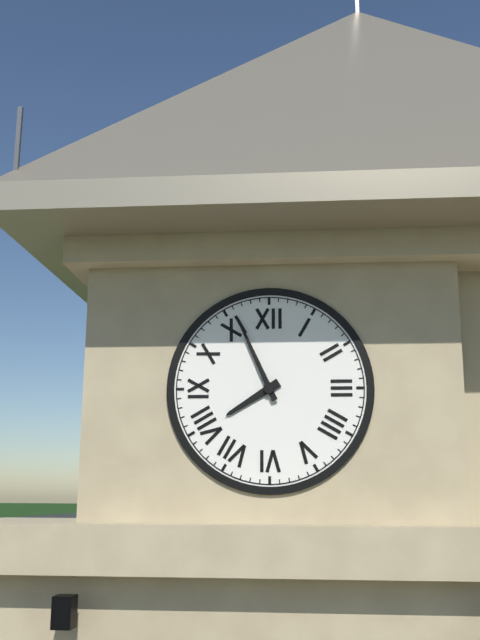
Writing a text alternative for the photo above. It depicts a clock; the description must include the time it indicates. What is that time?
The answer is 7:56
